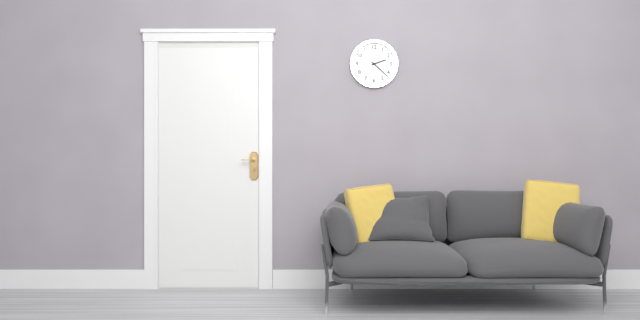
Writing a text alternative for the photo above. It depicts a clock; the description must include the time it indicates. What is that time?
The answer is 2:22
